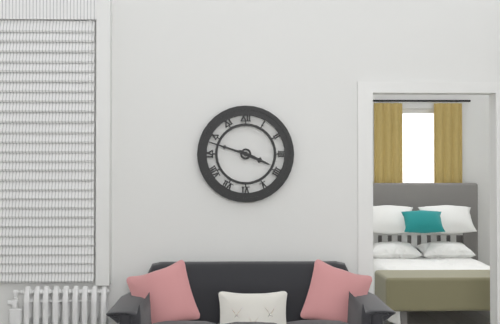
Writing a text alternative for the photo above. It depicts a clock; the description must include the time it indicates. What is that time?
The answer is 3:48
